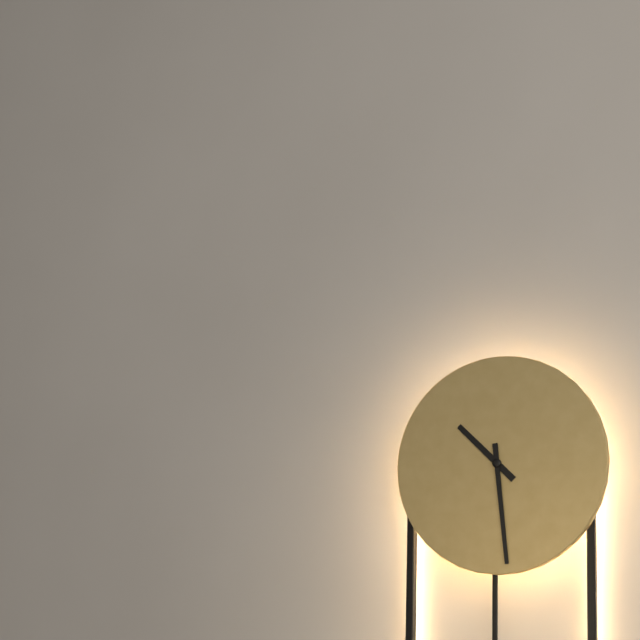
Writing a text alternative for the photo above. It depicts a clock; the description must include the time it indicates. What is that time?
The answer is 10:29
